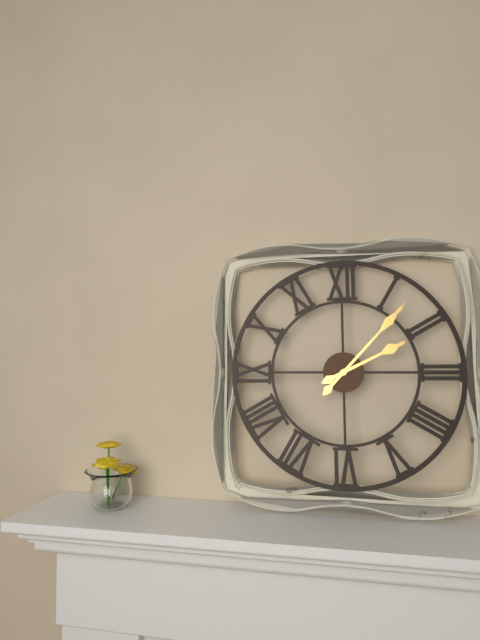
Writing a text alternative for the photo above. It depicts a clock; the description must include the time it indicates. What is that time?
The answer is 2:07
